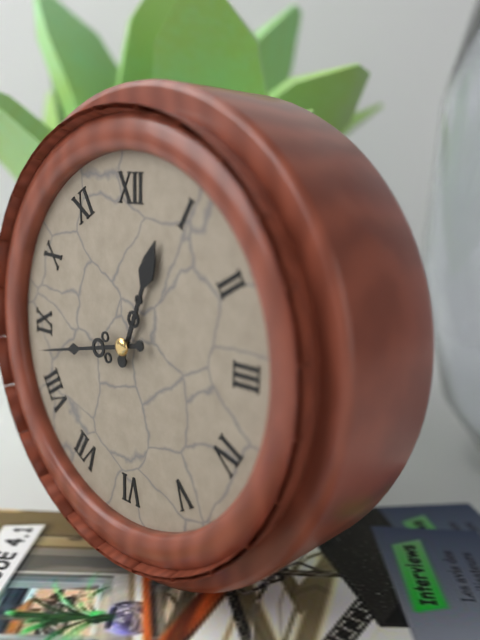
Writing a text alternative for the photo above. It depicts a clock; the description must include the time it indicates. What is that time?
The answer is 12:43
